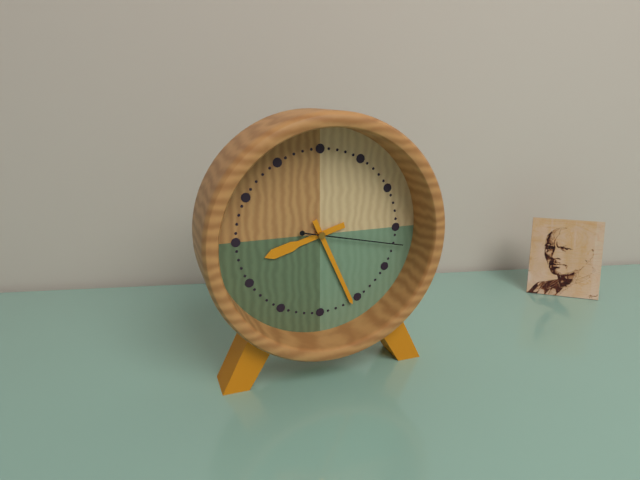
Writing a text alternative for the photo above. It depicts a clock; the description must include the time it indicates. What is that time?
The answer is 8:26:17
